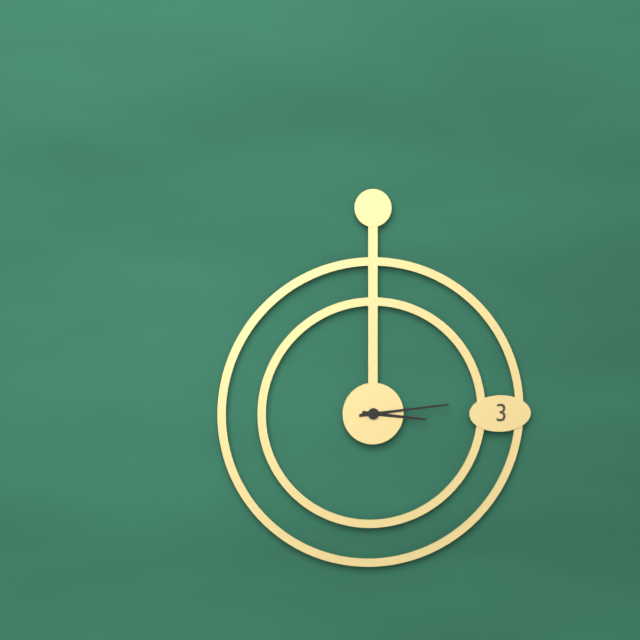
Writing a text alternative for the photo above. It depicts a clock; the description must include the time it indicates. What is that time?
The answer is 3:14
